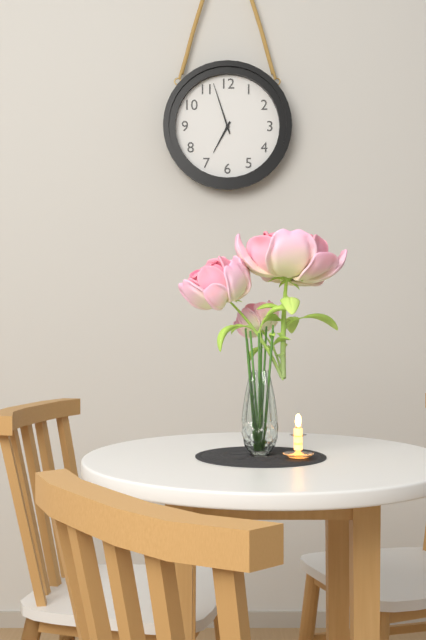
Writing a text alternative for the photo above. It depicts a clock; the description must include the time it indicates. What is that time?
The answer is 6:57
